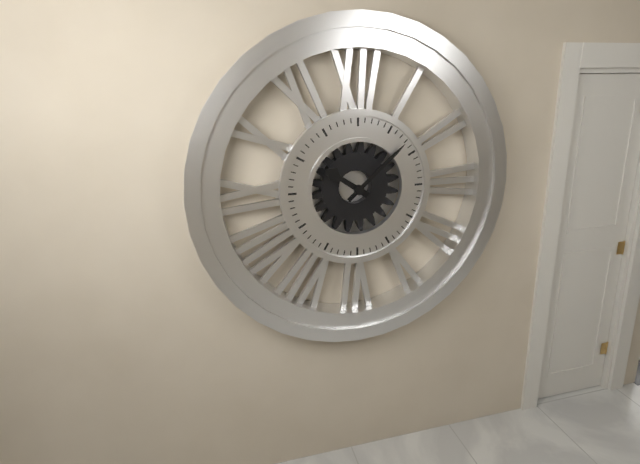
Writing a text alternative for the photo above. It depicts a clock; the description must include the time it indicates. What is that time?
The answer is 10:08
